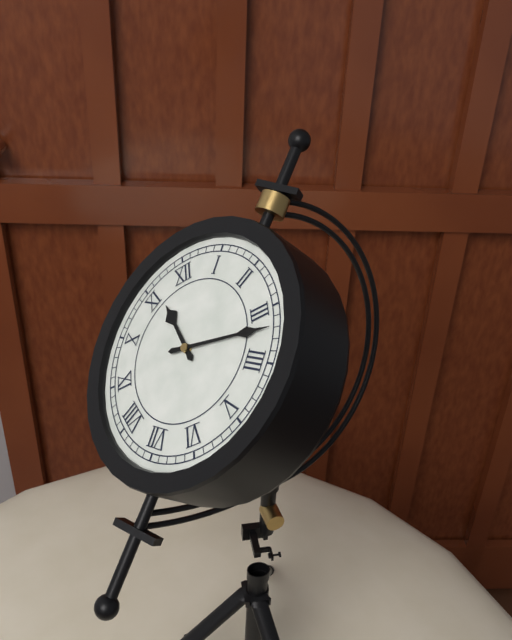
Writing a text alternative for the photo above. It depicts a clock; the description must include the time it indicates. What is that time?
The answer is 11:17
